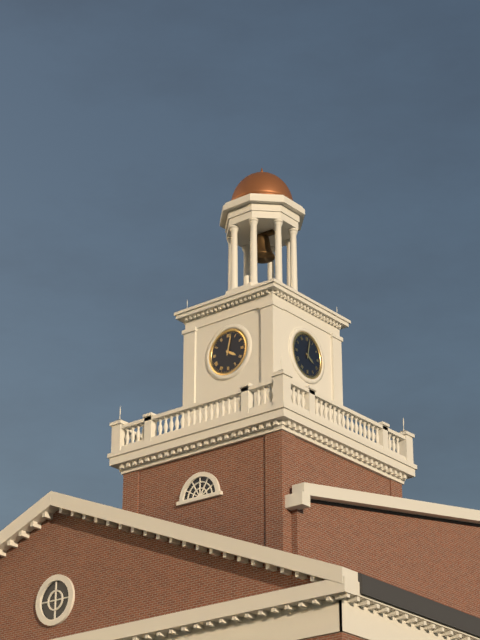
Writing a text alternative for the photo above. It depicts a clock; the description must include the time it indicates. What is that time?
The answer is 4:02
